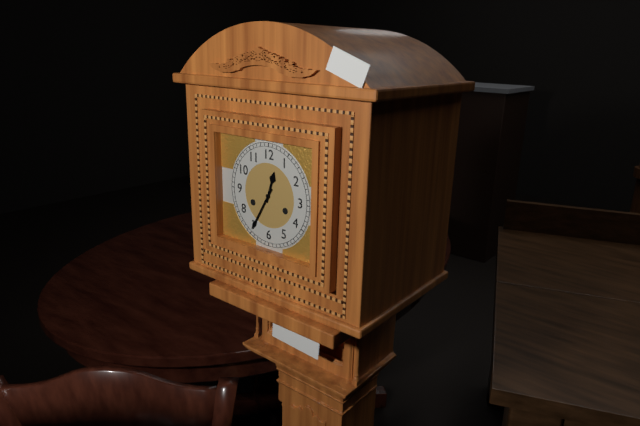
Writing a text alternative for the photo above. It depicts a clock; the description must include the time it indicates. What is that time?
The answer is 12:35
